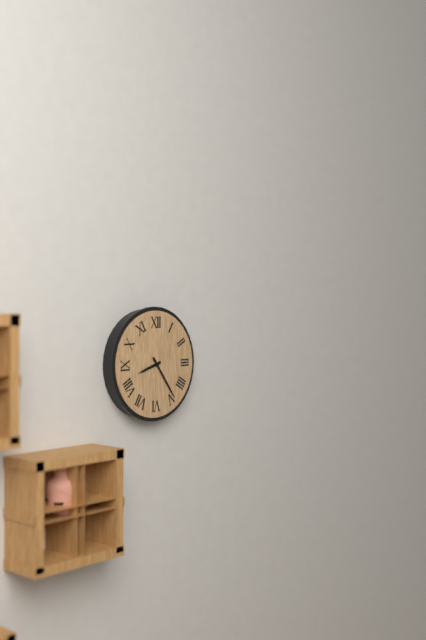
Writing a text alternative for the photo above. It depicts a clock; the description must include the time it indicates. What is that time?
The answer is 8:24
